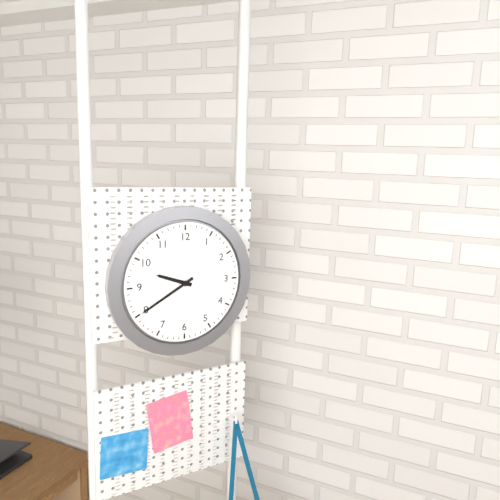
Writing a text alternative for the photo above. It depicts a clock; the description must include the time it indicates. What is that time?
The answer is 9:40
